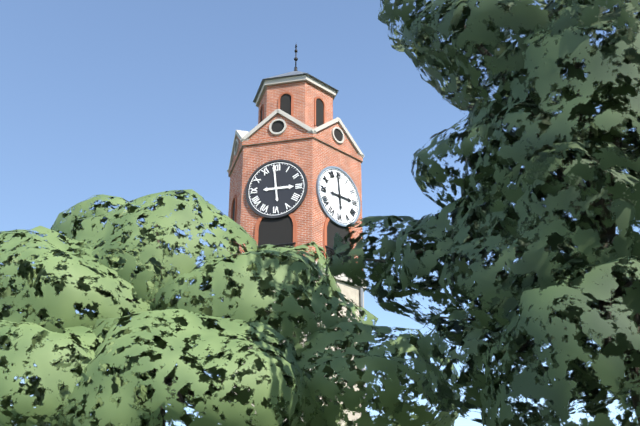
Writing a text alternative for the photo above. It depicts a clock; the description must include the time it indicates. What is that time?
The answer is 2:59
